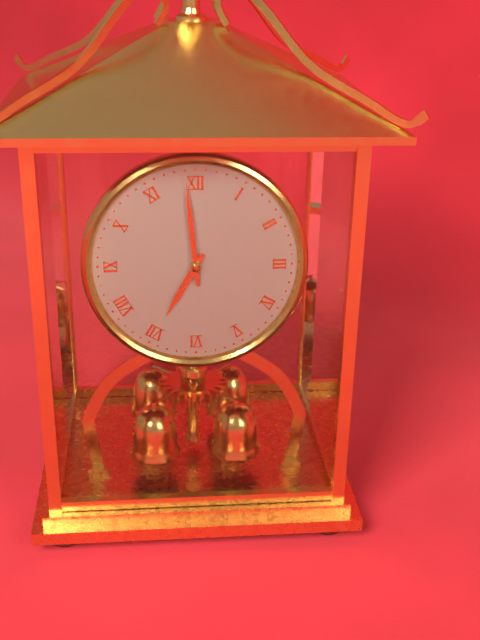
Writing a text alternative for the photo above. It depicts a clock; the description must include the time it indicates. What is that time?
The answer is 6:59
